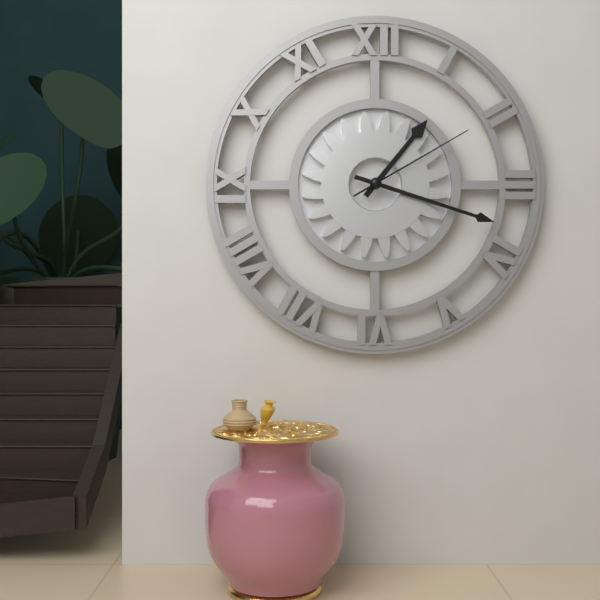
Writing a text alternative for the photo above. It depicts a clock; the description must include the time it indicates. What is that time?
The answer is 1:18:10
